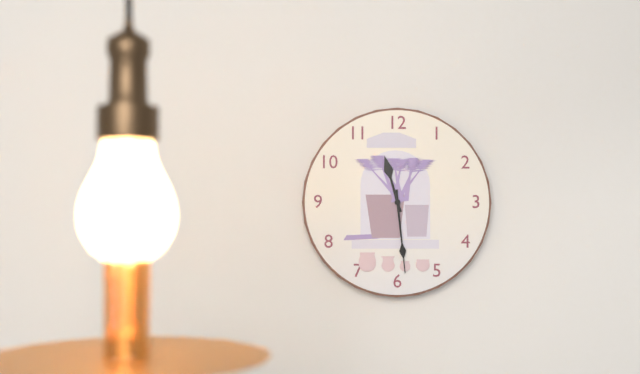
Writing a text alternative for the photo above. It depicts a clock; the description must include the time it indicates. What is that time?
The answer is 11:29
